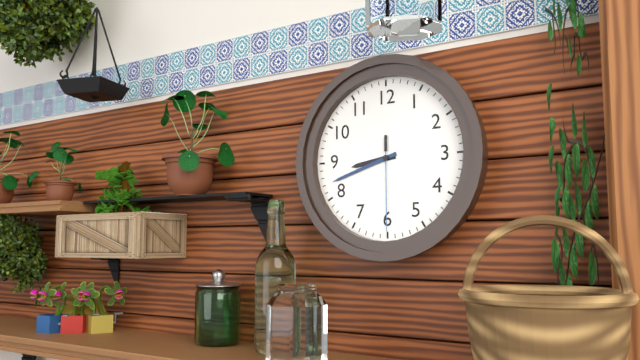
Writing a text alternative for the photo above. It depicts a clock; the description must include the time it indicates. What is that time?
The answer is 8:42:30
